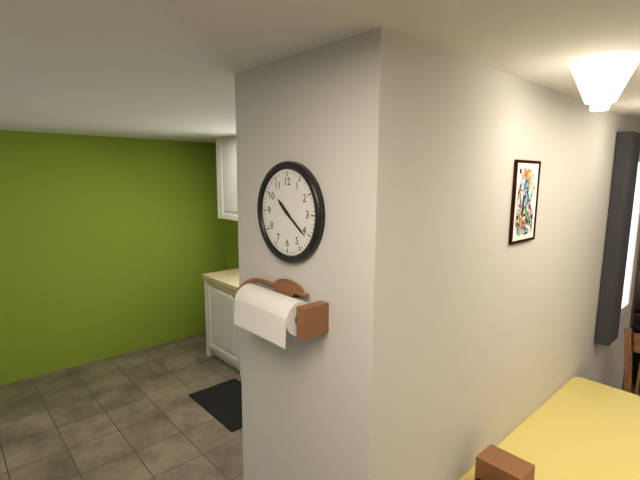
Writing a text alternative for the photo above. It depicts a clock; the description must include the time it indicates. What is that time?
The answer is 10:21
